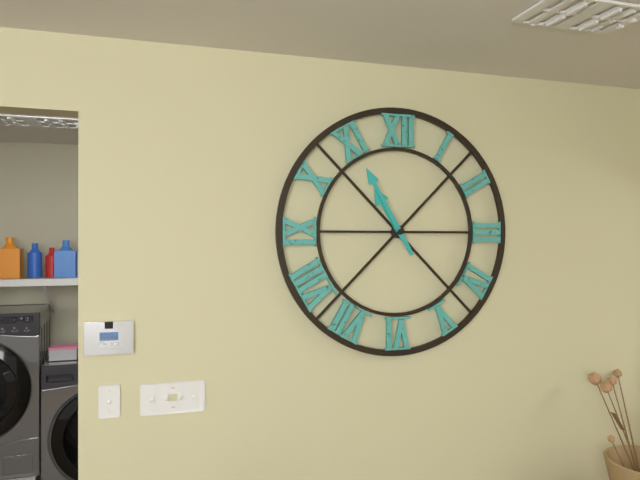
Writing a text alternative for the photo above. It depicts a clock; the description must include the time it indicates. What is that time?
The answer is 10:55
